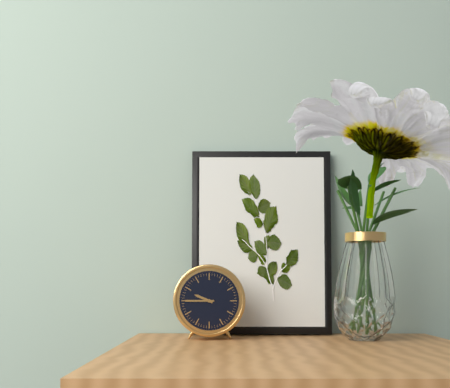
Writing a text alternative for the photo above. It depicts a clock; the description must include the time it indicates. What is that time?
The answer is 9:45
